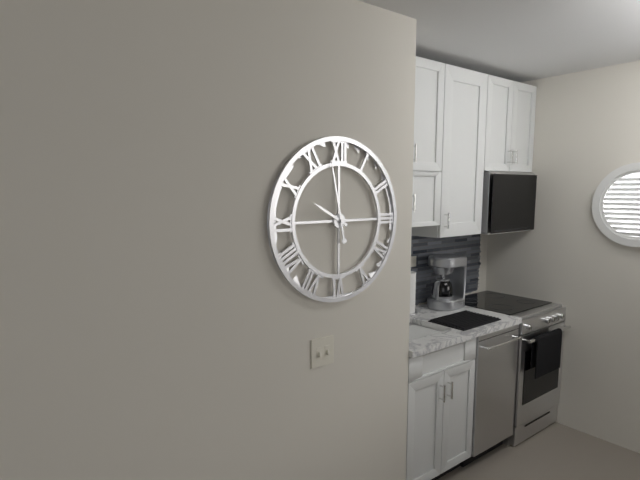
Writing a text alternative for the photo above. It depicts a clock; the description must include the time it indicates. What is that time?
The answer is 9:58
